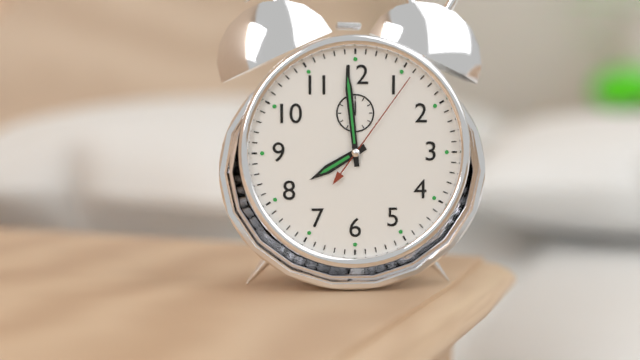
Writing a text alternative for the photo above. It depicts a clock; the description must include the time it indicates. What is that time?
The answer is 7:59:06
